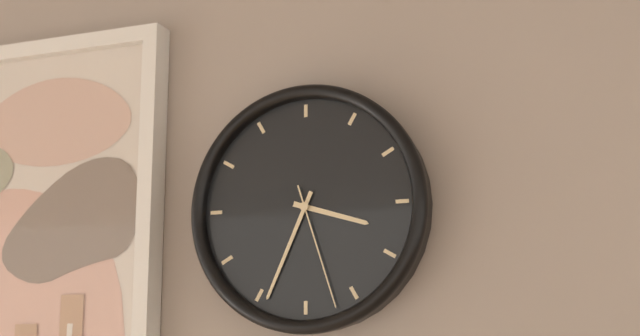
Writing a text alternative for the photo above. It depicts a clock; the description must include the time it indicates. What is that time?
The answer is 3:34:27
